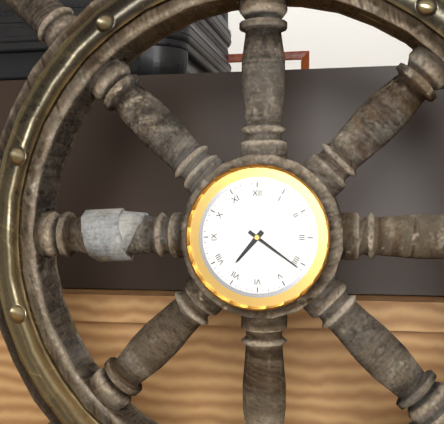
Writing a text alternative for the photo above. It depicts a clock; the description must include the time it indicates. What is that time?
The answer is 7:21
